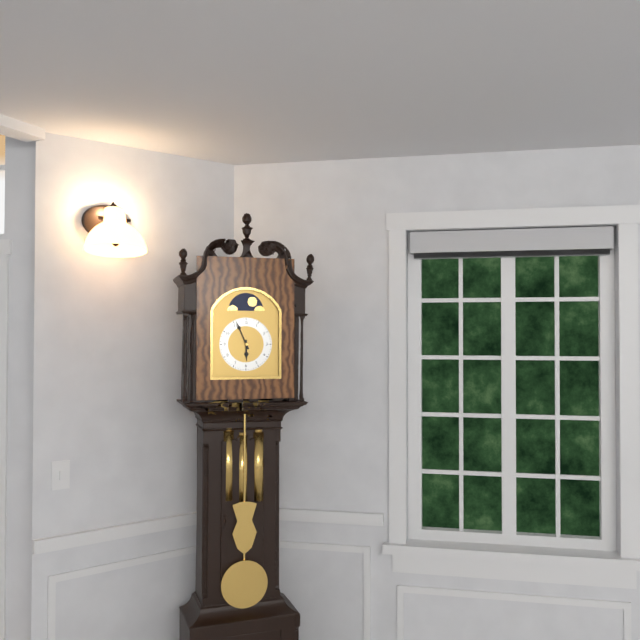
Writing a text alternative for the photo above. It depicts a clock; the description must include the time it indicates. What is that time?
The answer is 5:56
